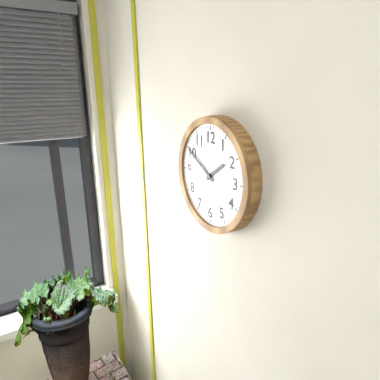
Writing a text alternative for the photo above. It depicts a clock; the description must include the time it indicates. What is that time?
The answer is 1:50
